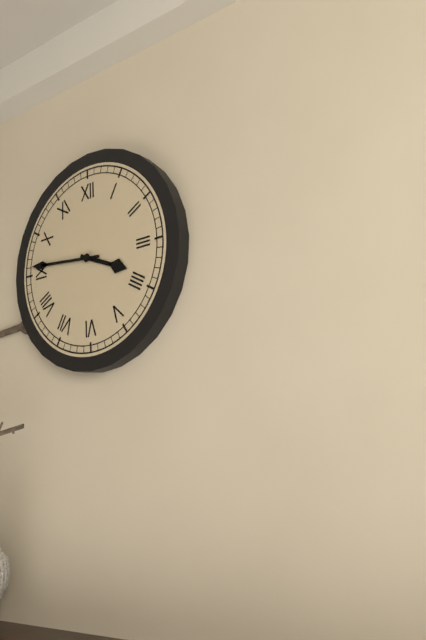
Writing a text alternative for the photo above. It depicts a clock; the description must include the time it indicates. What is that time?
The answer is 3:46
